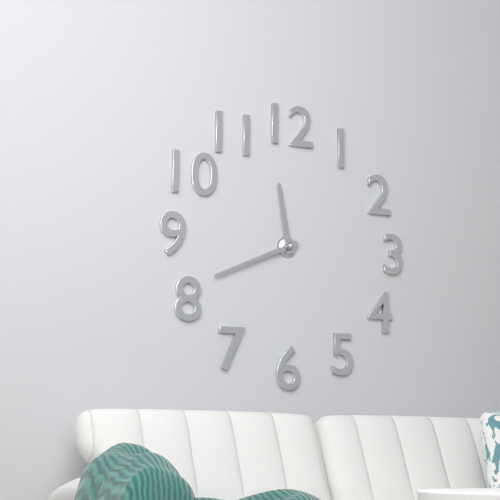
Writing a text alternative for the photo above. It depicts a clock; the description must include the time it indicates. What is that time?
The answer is 11:41
